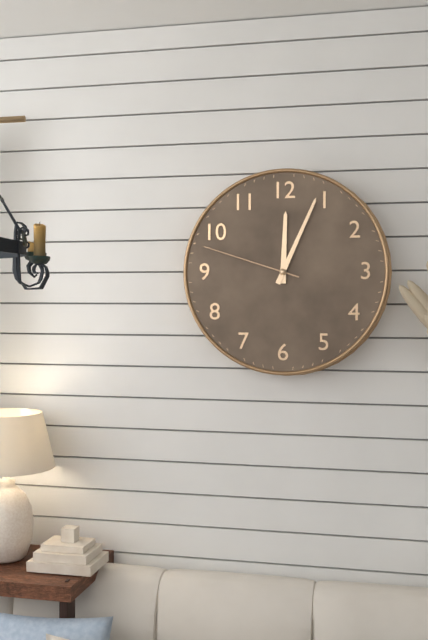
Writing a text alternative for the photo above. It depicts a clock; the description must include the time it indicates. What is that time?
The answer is 12:04:48
